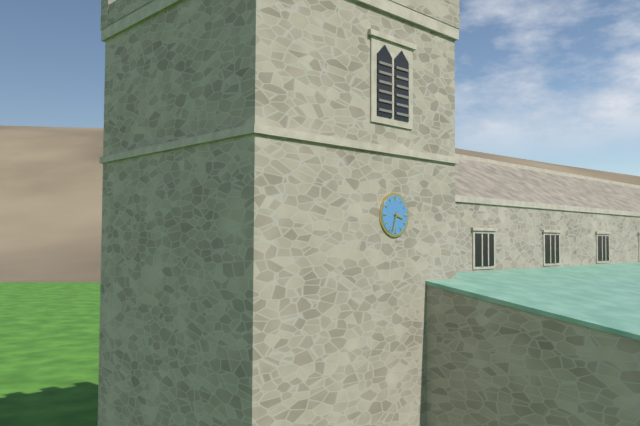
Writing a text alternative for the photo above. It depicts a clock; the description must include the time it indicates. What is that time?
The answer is 3:33
